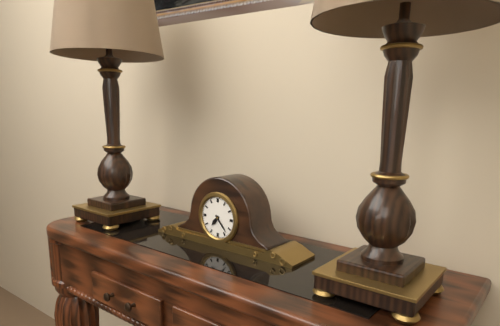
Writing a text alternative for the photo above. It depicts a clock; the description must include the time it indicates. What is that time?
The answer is 7:23
